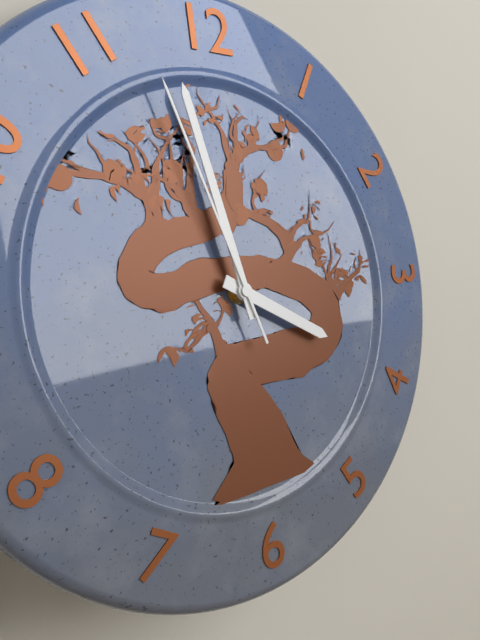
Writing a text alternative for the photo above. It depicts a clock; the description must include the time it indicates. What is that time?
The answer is 3:58:57
